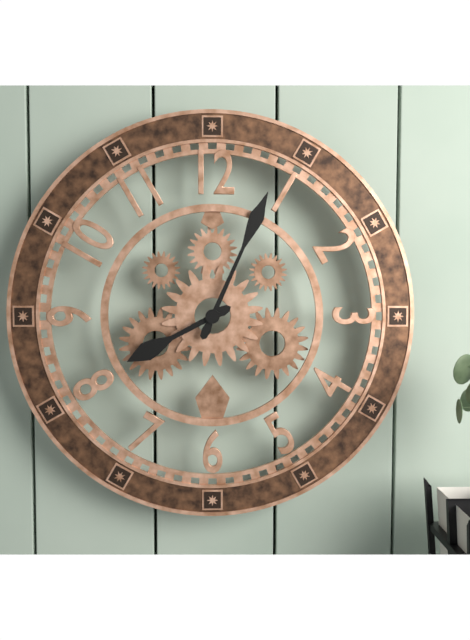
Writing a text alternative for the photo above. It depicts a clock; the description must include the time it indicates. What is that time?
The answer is 8:04
